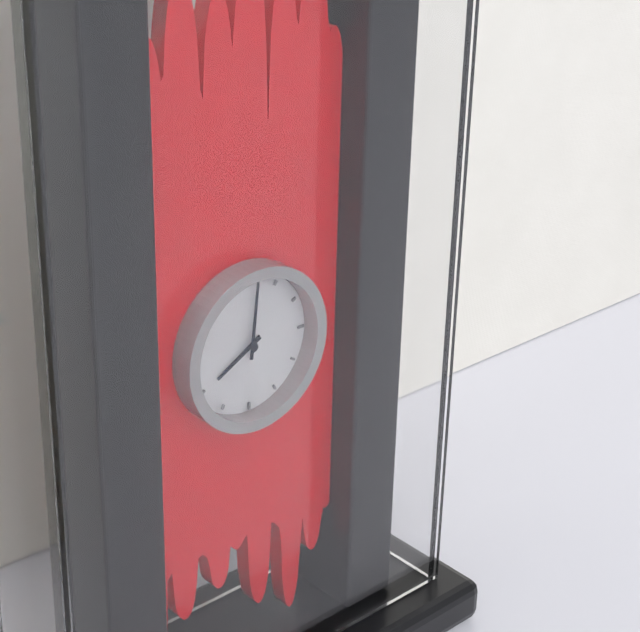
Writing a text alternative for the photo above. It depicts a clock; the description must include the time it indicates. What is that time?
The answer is 8:01
